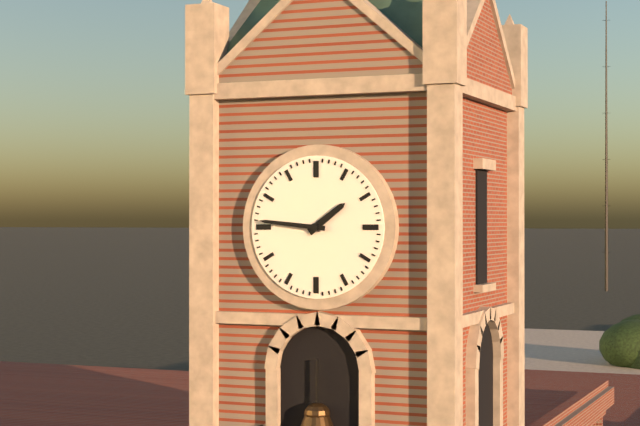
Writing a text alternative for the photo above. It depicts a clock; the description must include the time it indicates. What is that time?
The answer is 1:46
